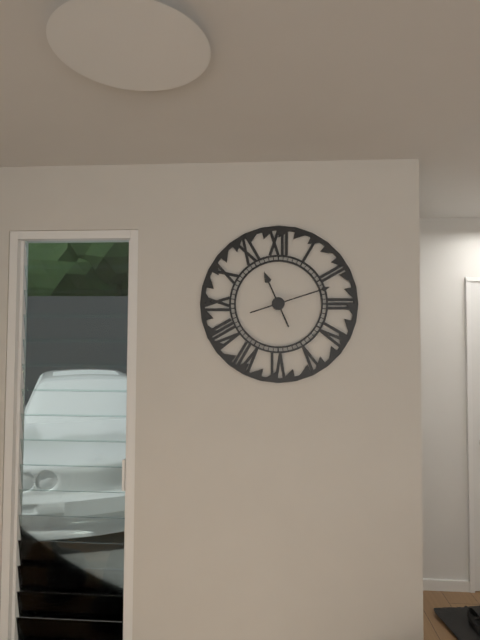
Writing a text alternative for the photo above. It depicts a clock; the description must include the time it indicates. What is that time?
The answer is 11:12
